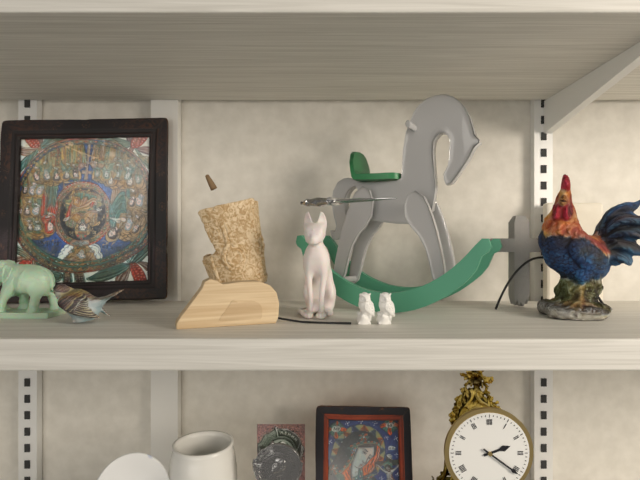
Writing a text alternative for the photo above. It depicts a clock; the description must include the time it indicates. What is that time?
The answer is 2:21
